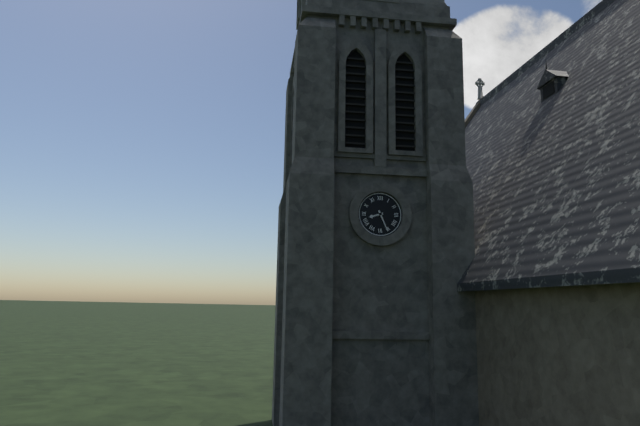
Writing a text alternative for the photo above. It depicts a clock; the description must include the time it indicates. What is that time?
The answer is 8:26
